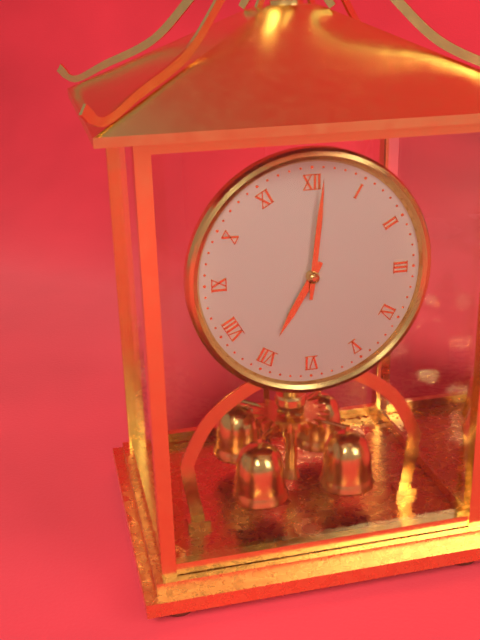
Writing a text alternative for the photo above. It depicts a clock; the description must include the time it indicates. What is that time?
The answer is 7:01
